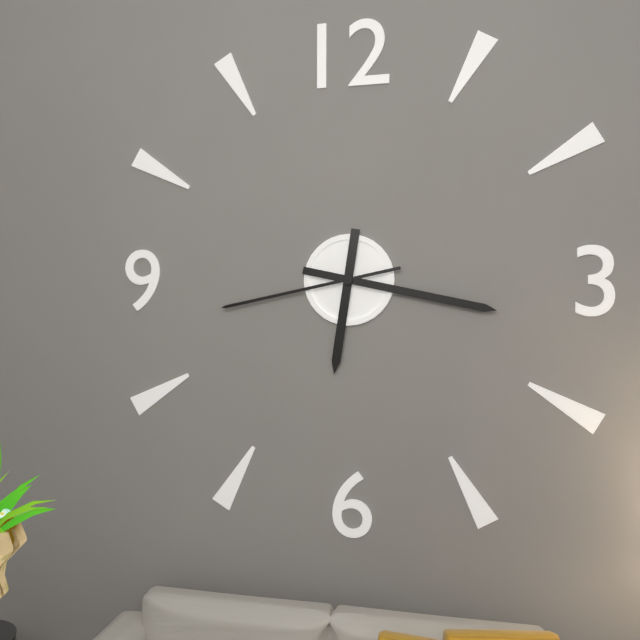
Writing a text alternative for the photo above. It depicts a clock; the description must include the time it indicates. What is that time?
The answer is 6:17:43
